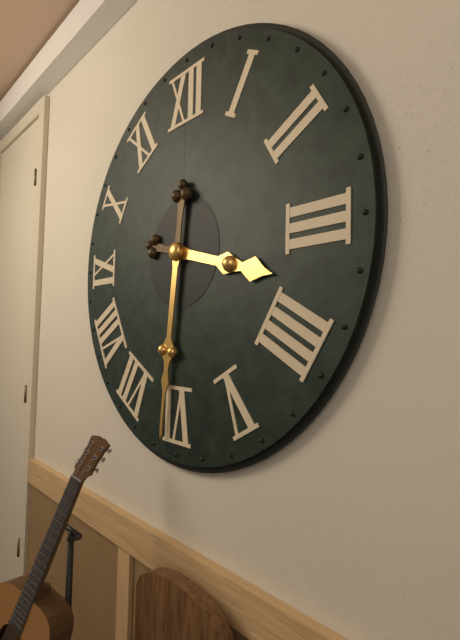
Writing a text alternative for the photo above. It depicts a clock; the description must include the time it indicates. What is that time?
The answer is 3:31
